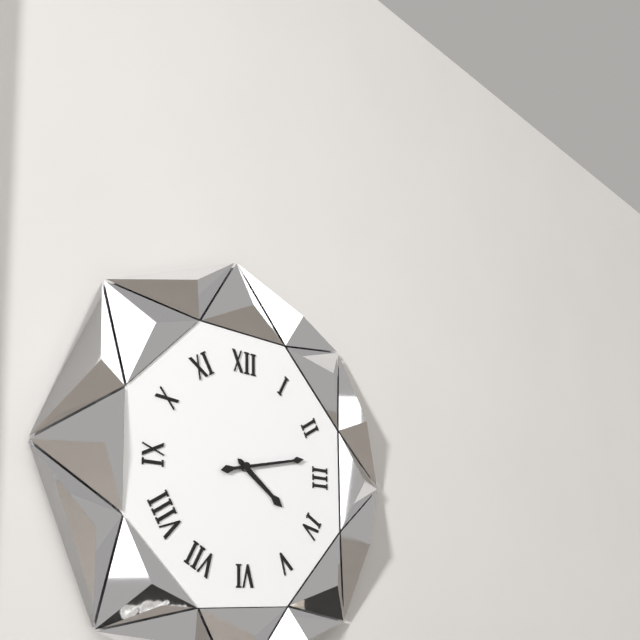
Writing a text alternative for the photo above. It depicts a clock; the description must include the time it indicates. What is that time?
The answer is 4:13
